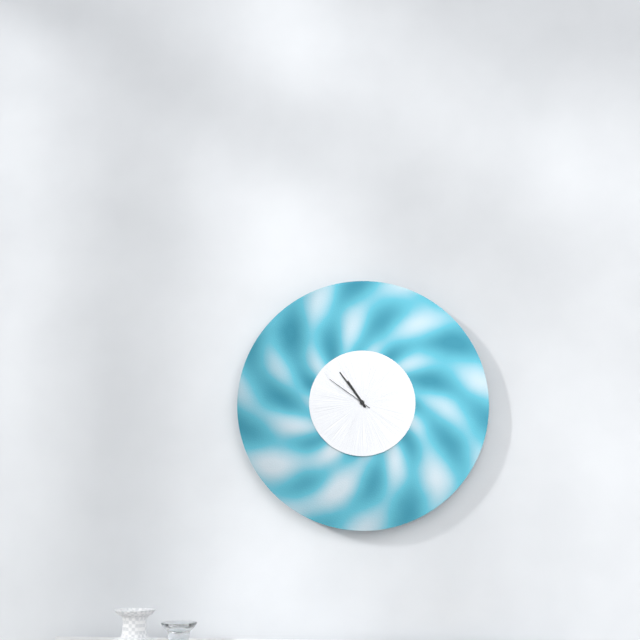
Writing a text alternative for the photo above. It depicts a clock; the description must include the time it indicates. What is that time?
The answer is 10:54:51
